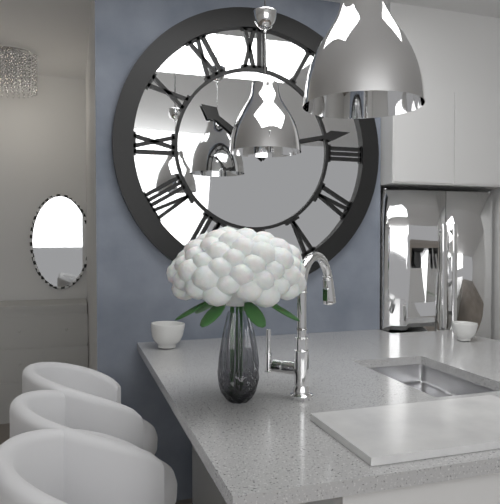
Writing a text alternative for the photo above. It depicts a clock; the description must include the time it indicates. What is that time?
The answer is 10:13
